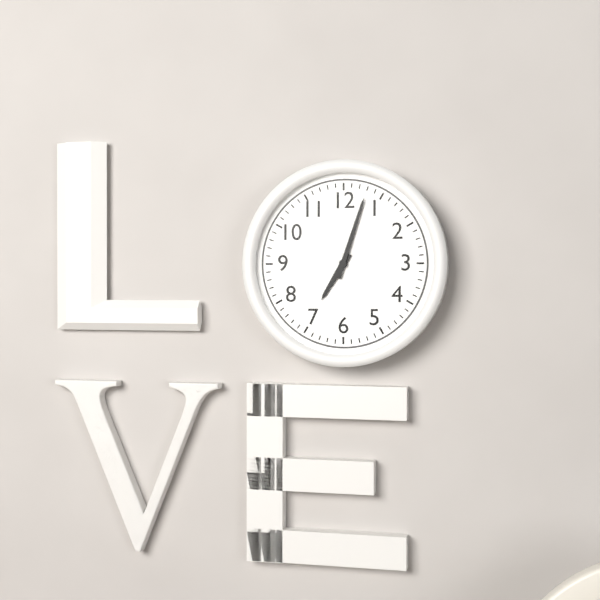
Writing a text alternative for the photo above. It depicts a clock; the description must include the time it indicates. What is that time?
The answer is 7:03
